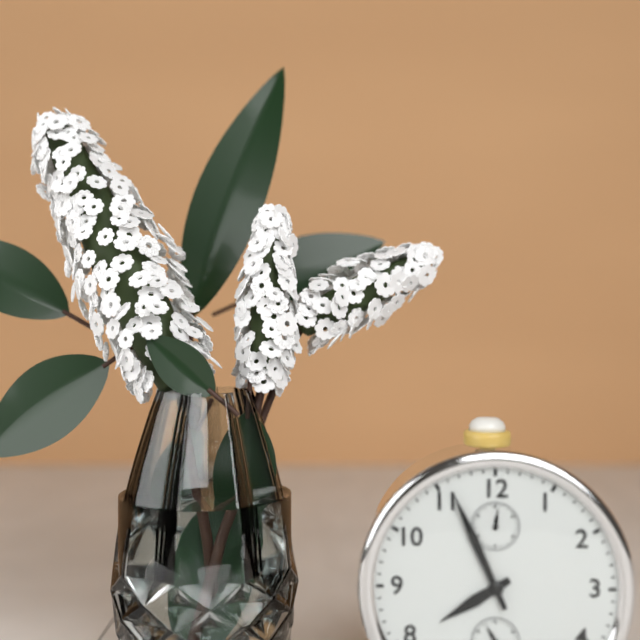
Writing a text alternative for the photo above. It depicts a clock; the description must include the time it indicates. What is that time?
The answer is 7:56
